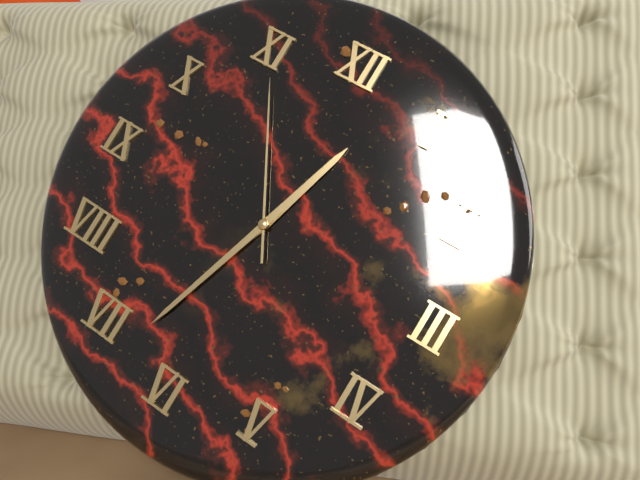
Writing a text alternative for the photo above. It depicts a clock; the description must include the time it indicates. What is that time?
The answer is 12:33:55
